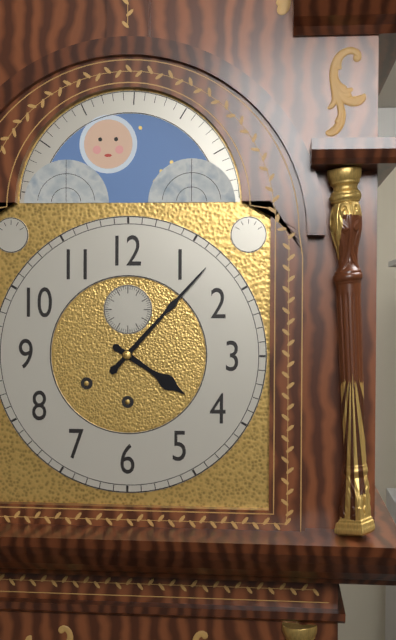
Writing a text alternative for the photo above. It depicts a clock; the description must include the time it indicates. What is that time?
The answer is 4:07
